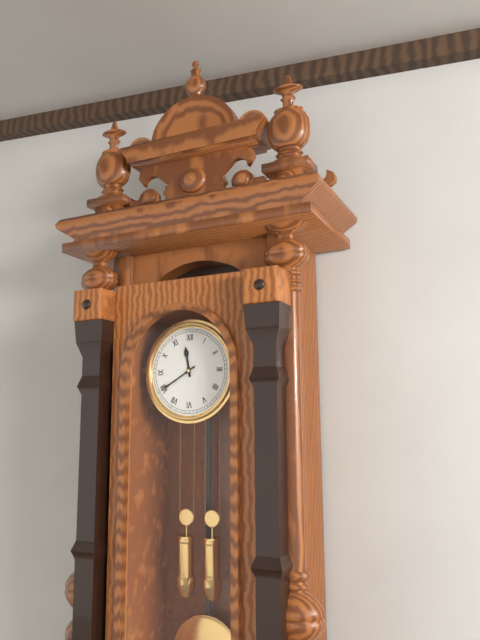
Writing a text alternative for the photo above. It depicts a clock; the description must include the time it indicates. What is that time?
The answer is 11:40
